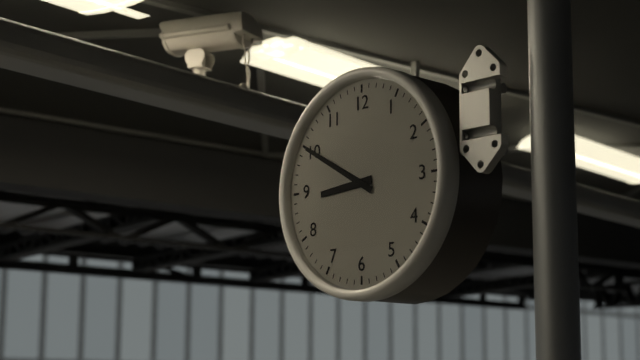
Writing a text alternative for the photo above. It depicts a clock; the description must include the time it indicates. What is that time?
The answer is 8:50
